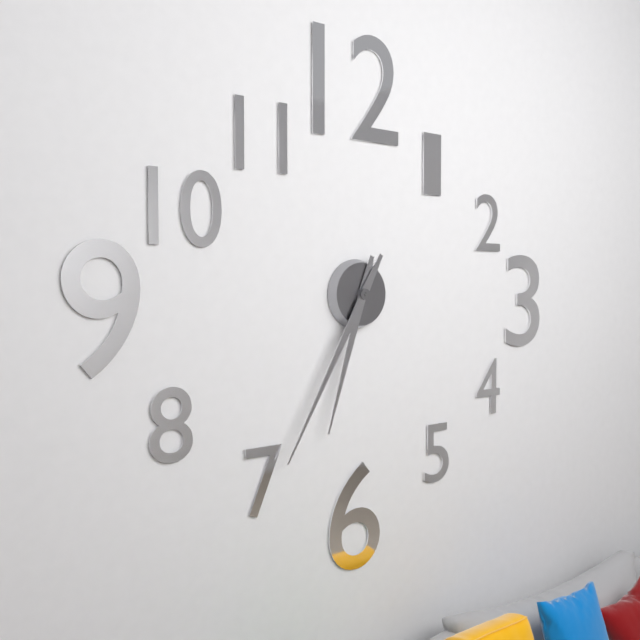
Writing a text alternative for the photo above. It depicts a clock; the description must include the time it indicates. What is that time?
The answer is 6:35
